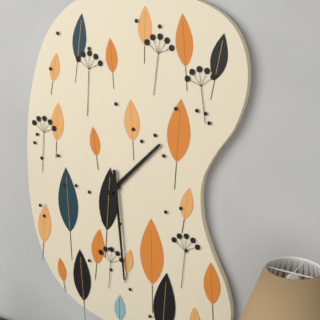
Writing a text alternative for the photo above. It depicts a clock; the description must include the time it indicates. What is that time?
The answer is 1:29
